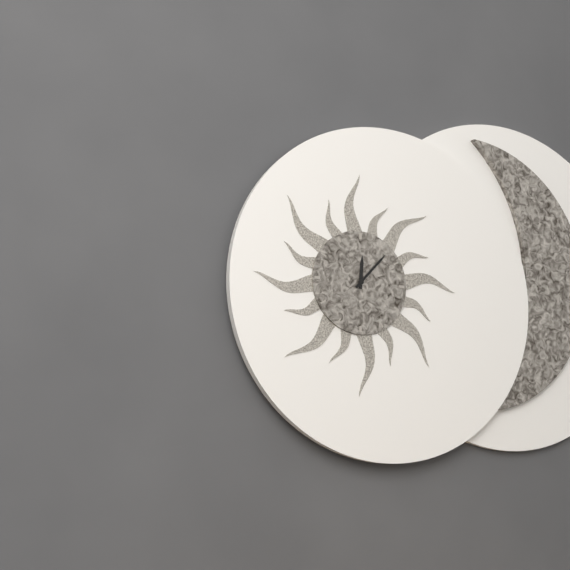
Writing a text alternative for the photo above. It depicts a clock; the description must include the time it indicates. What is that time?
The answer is 12:07
